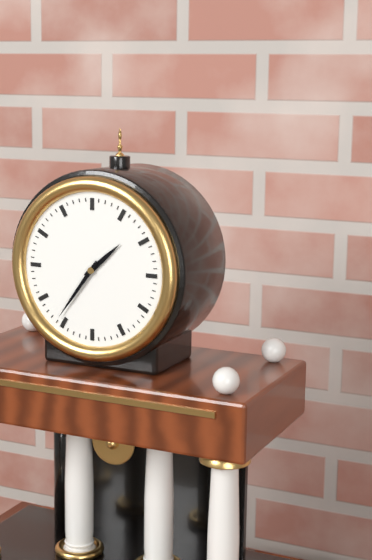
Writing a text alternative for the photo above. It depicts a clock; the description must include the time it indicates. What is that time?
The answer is 1:36
